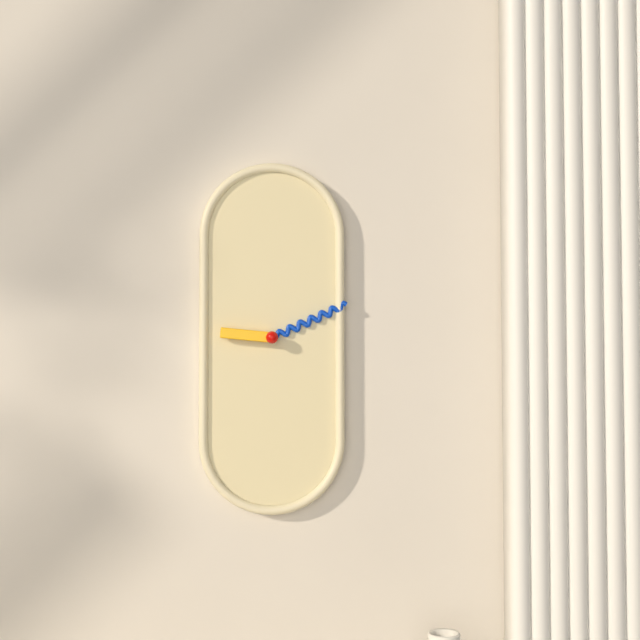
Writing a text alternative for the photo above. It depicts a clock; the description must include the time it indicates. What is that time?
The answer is 9:11
